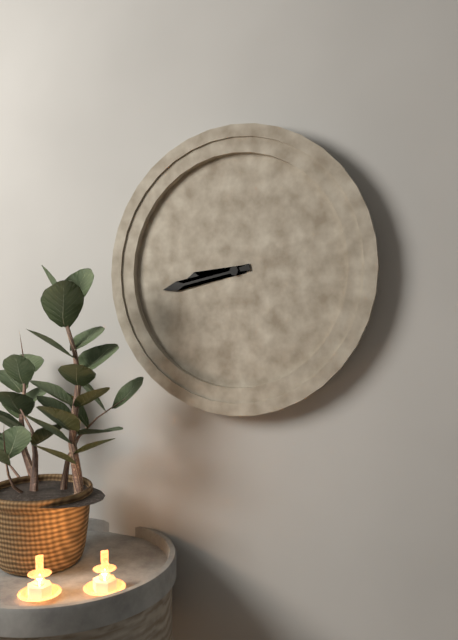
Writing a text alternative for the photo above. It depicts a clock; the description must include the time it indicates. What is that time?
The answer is 8:43
